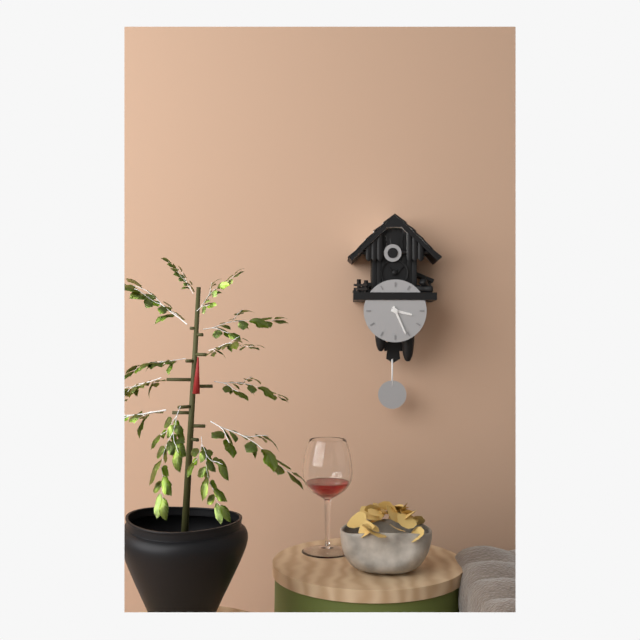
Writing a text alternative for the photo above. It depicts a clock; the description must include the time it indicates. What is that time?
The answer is 3:26
